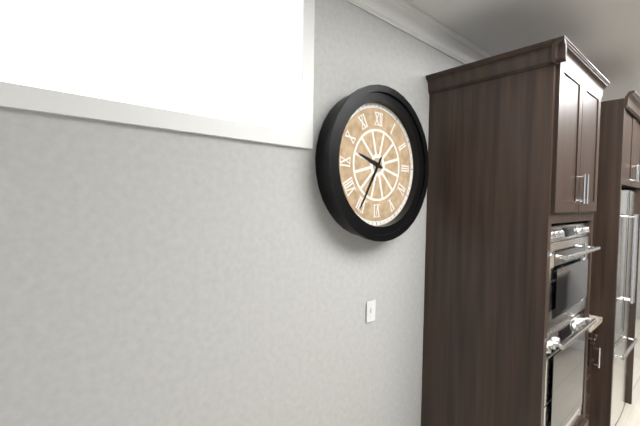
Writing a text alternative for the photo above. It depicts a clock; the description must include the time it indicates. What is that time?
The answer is 9:35
